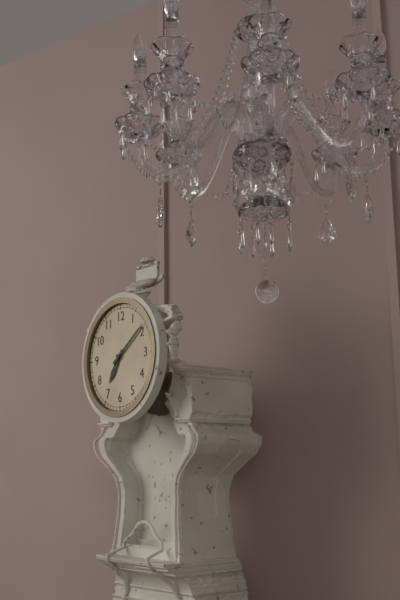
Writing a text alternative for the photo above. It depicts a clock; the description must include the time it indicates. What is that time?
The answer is 7:09
